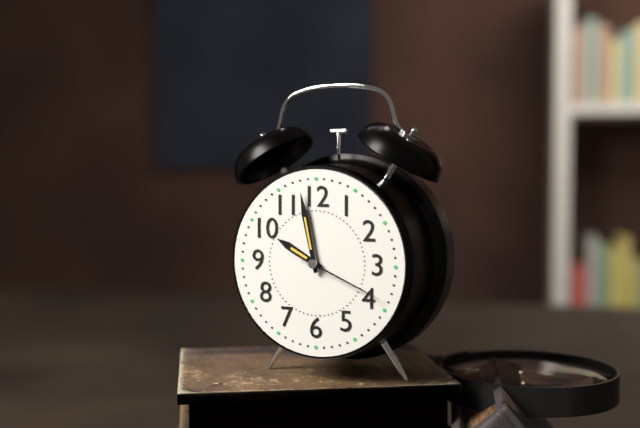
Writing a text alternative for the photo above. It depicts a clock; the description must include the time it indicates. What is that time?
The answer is 9:58:19
